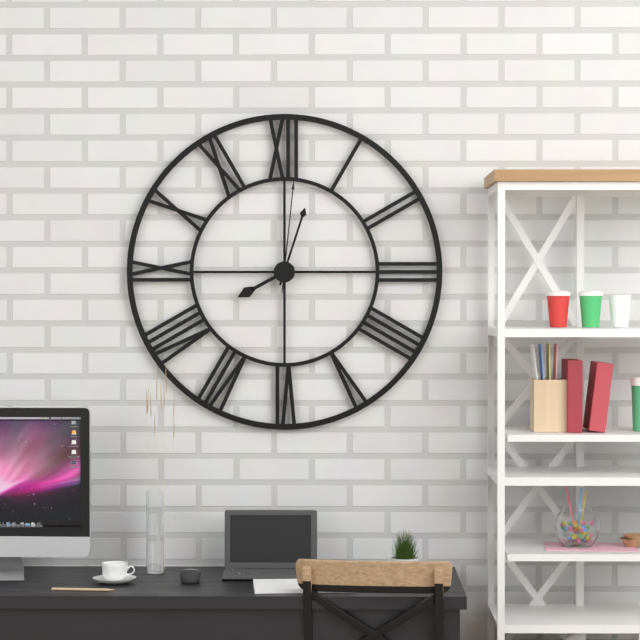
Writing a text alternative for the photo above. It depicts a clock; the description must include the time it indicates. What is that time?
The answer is 8:03:01
